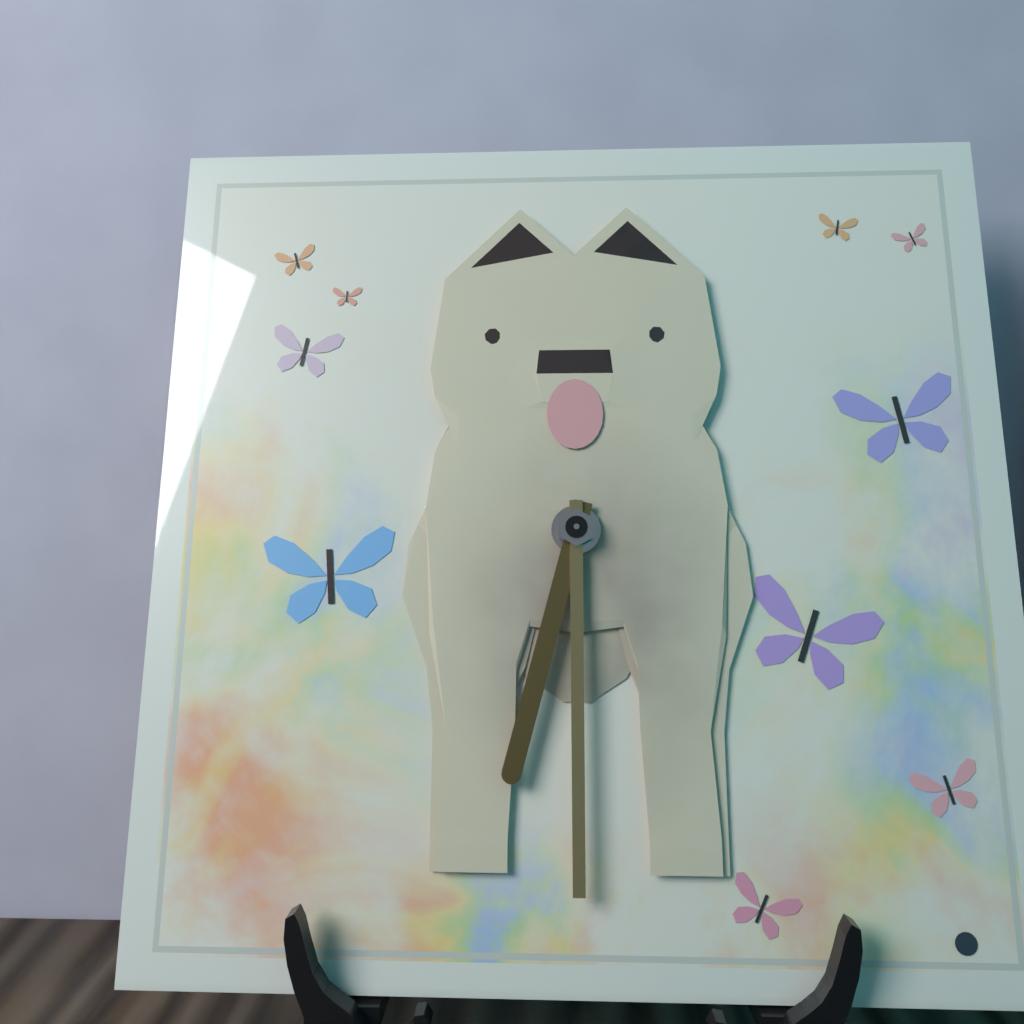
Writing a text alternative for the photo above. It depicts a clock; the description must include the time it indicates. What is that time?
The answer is 6:30
